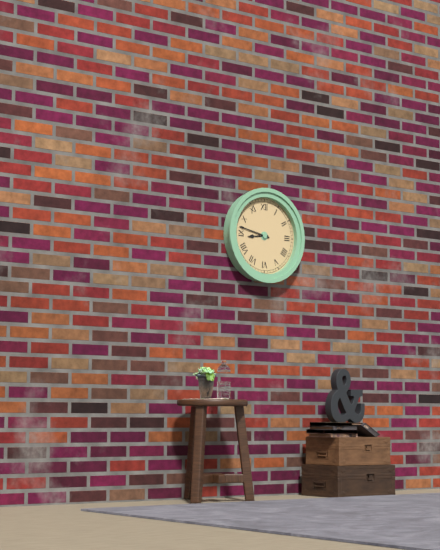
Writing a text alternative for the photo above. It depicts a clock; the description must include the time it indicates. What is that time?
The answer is 8:47
